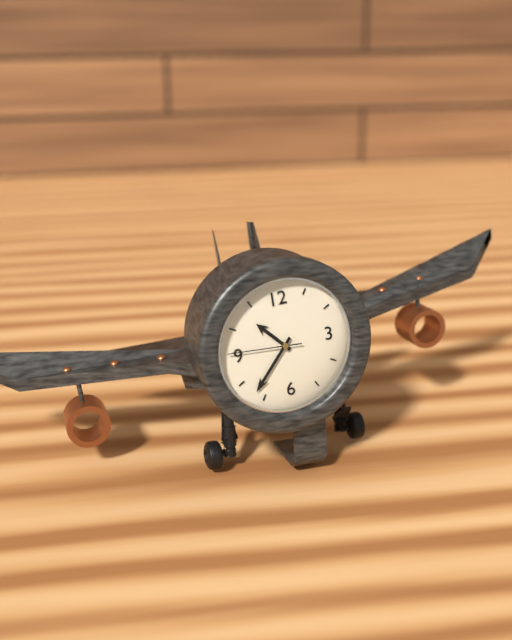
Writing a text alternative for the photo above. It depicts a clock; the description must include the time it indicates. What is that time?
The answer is 10:37:46
